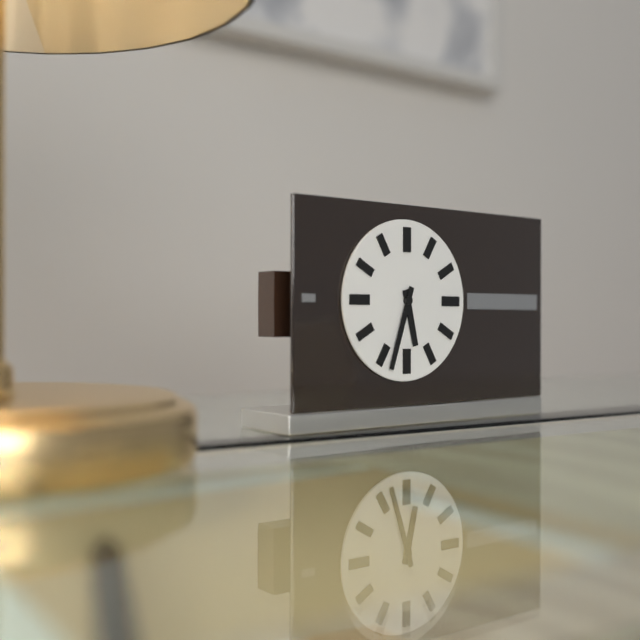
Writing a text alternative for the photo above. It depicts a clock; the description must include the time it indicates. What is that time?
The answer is 5:33
